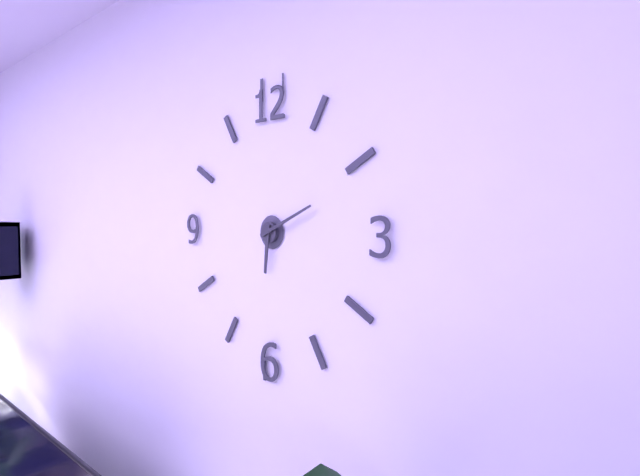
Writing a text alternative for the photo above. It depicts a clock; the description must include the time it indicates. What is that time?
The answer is 6:11
